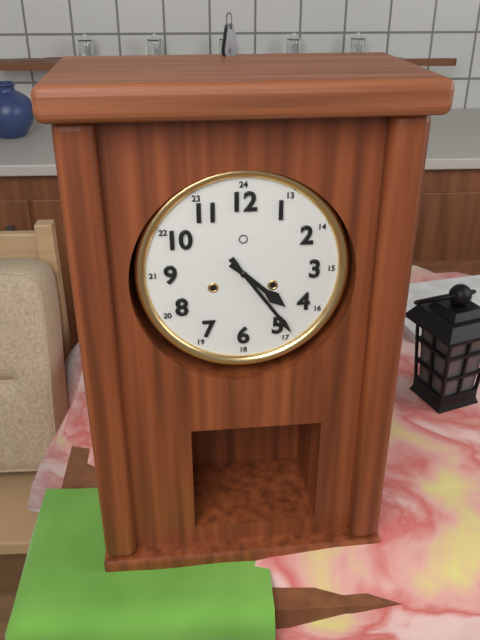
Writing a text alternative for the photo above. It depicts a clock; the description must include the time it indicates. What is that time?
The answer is 4:24
